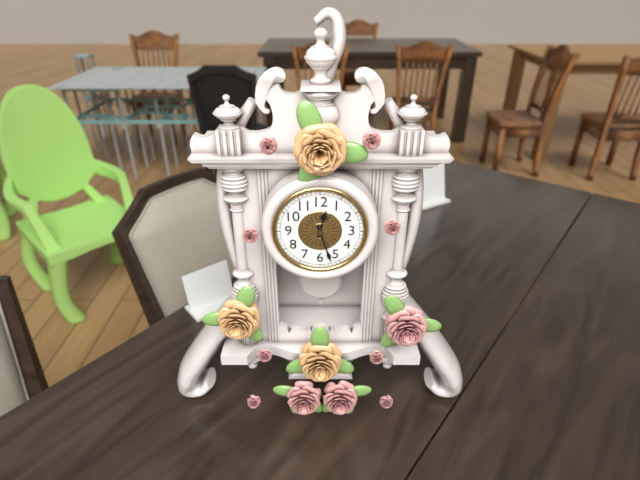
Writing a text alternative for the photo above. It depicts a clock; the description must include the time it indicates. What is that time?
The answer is 12:27
